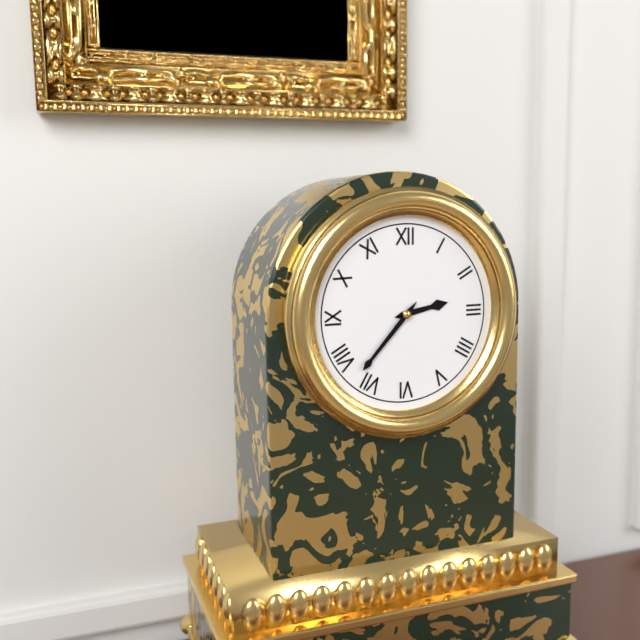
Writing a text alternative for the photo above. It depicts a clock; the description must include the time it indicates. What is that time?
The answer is 2:37
